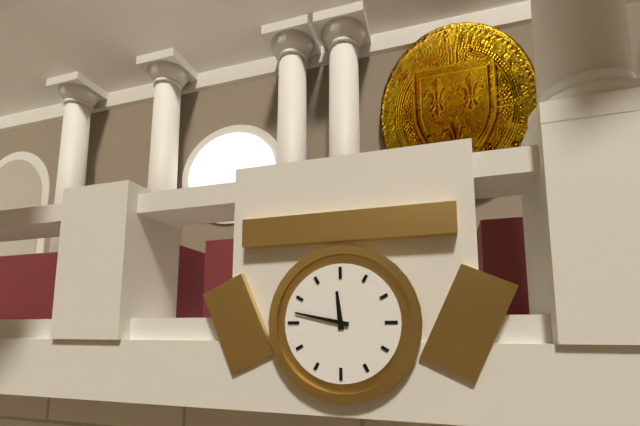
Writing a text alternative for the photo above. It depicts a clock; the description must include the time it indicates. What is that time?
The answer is 11:47
